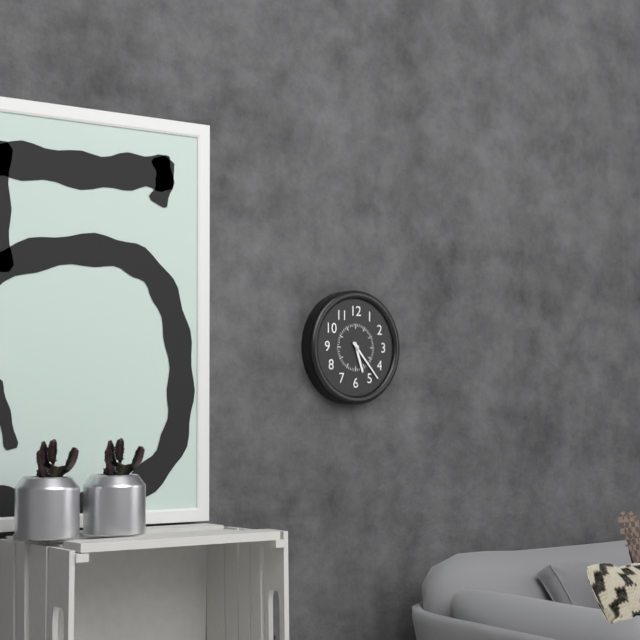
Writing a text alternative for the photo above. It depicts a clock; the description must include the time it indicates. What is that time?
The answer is 5:23
